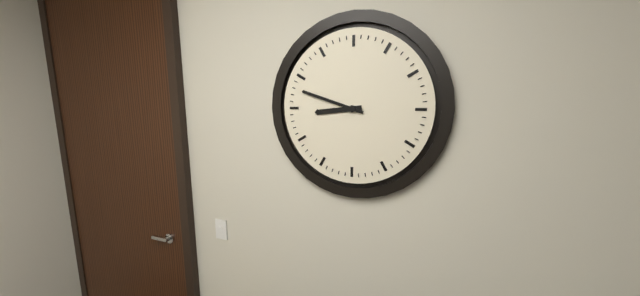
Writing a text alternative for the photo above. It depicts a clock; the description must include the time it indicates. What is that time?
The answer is 8:48
